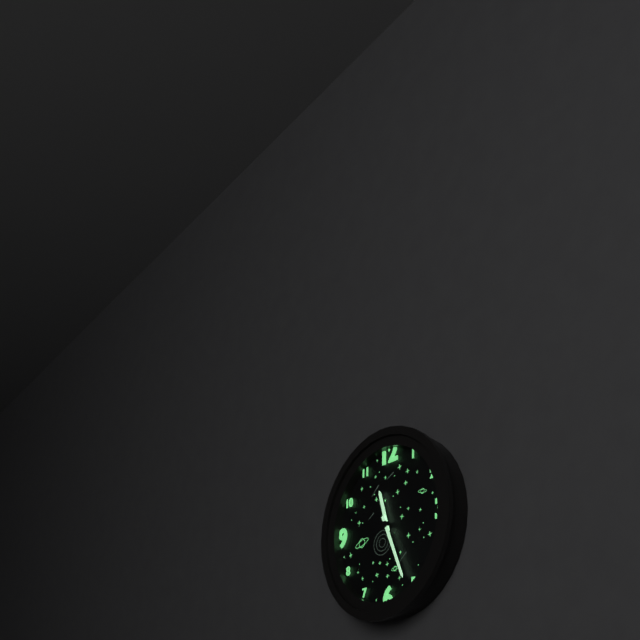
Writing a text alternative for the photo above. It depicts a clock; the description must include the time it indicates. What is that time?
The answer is 11:26
